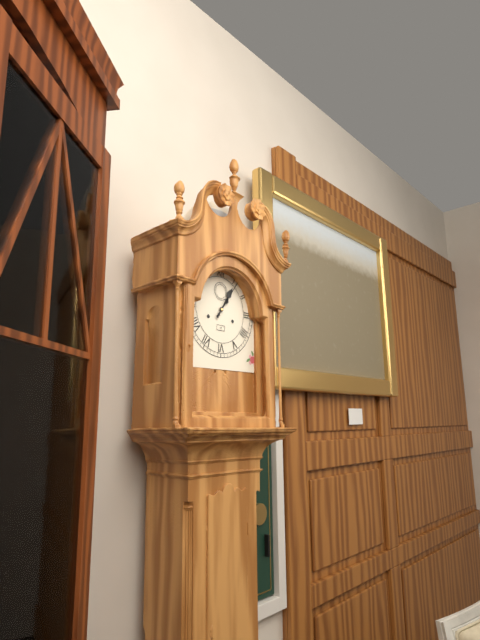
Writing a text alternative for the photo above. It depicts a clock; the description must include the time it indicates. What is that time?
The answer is 1:06
